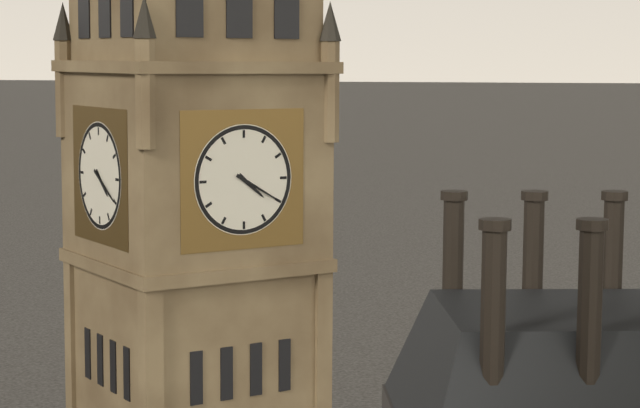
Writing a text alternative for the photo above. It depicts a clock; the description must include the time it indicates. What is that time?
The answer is 4:20
